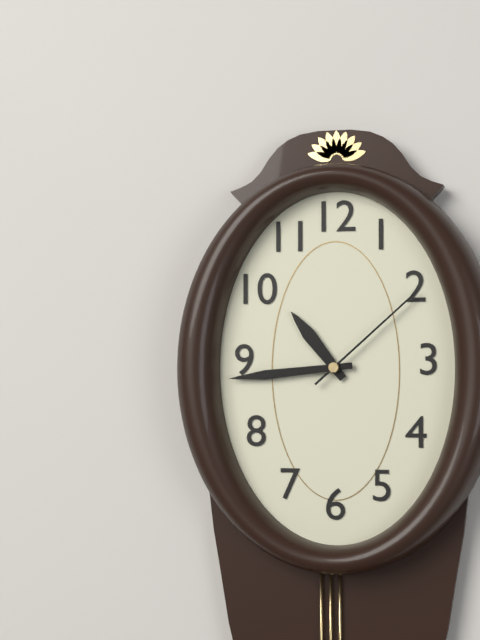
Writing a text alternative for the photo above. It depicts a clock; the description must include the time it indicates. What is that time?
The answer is 10:44:08
